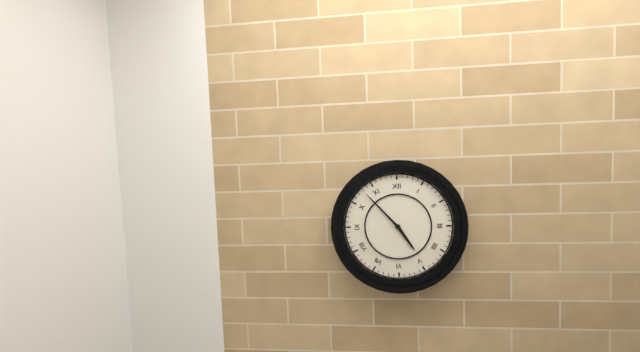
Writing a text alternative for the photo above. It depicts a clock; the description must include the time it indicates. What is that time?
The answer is 4:53
